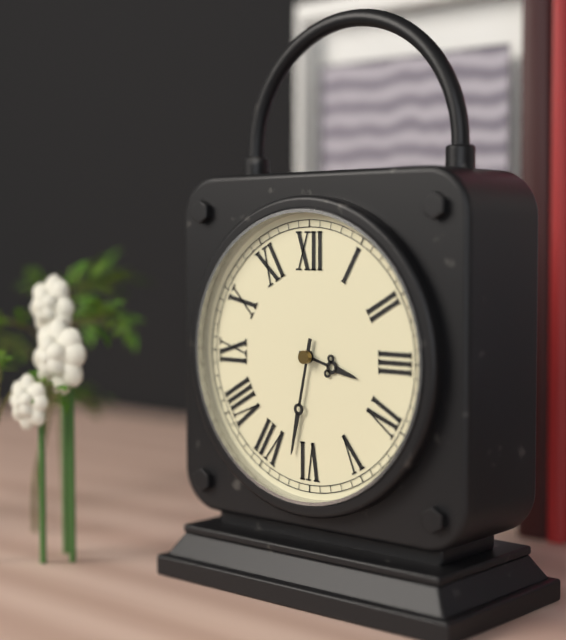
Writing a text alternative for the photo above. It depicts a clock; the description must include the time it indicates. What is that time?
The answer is 3:32
